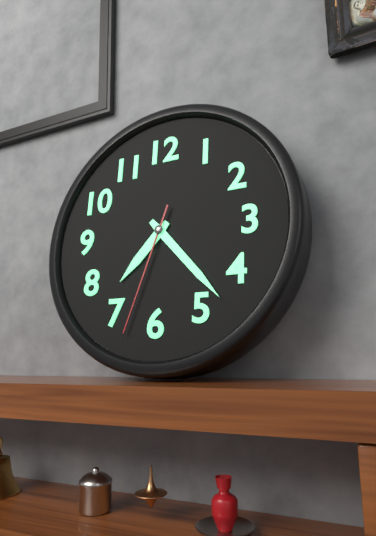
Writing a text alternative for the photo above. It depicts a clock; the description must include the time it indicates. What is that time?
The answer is 7:23:33
